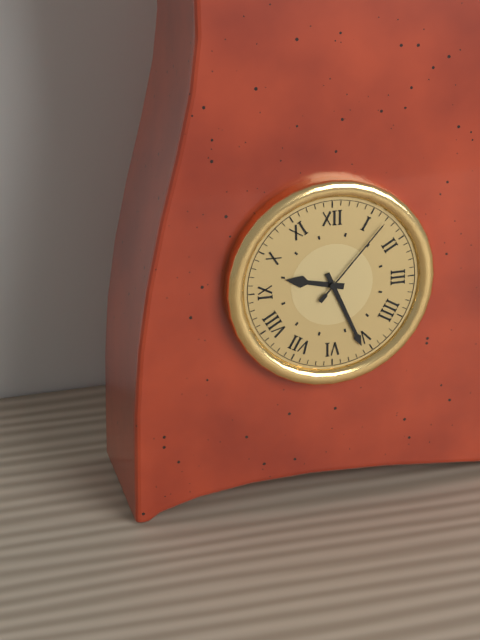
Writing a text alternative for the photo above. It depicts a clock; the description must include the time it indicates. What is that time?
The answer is 9:26:07
